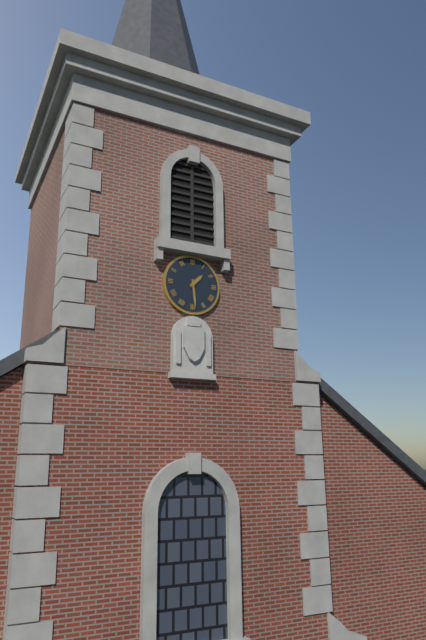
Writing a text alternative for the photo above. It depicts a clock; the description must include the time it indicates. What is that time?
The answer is 1:29
